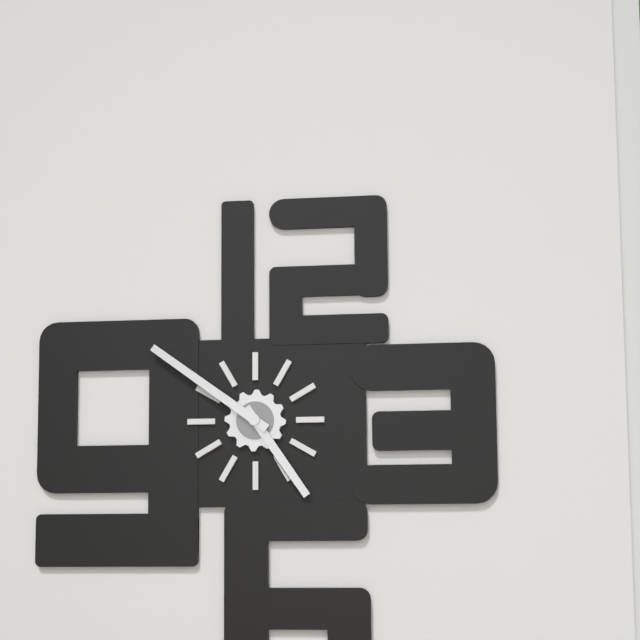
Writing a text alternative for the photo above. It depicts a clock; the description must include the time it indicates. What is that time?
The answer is 4:51
